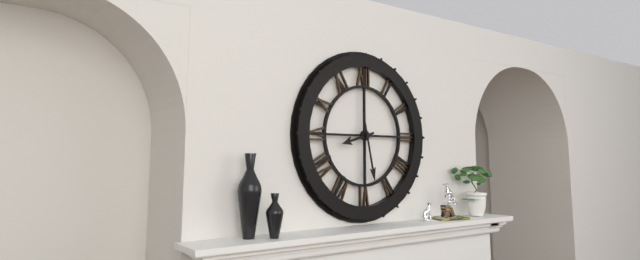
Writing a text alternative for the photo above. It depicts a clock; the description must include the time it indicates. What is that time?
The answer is 8:28
